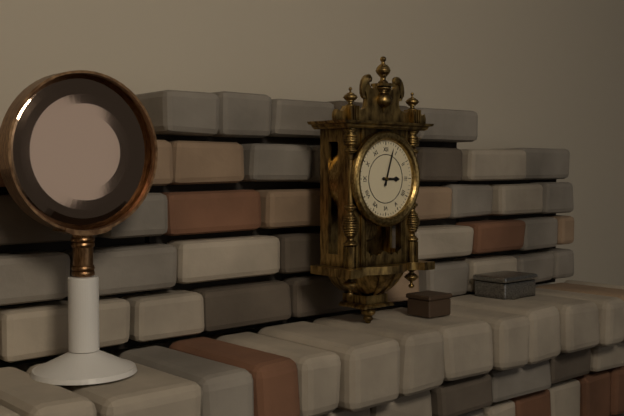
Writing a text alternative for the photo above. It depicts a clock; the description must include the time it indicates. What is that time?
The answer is 3:03
